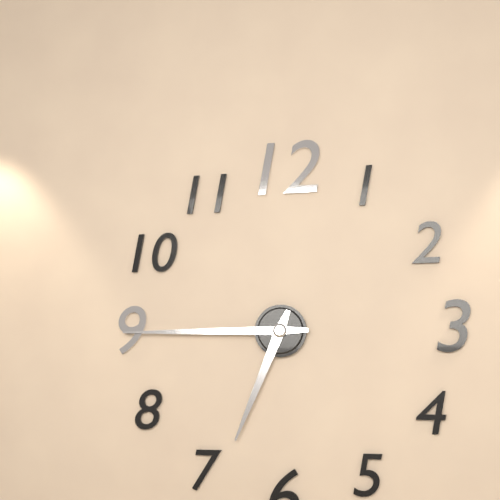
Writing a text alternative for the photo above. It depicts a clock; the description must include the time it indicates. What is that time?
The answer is 6:45
